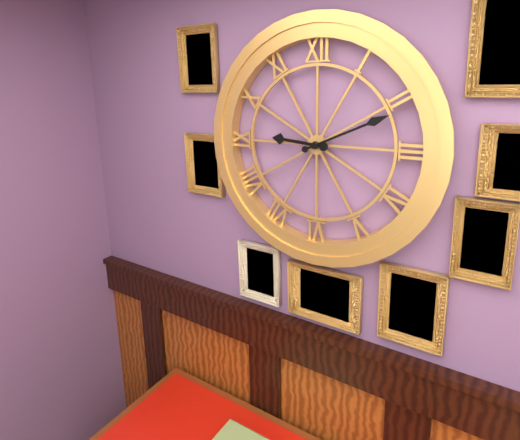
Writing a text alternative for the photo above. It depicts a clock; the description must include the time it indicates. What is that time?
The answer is 9:11
